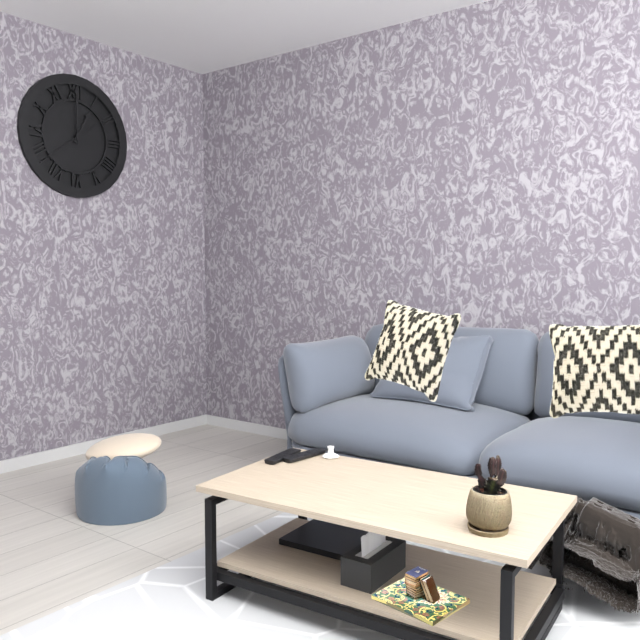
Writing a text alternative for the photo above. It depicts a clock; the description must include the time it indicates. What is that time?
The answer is 1:00:09
